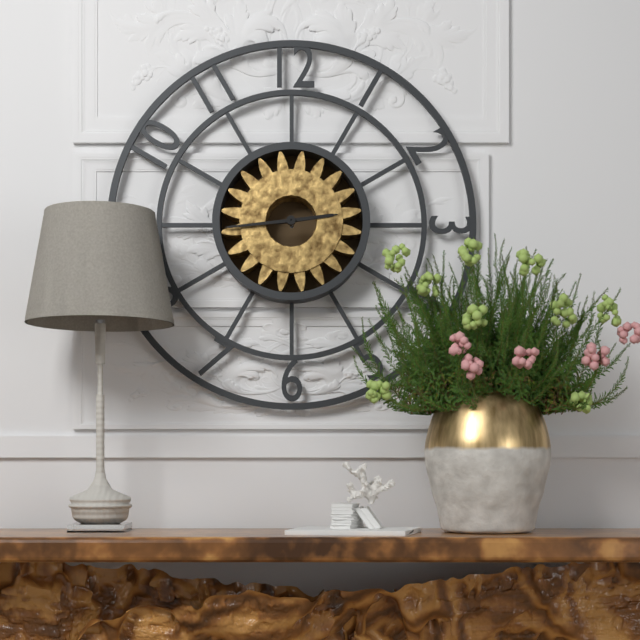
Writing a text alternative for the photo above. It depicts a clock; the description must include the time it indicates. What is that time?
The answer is 2:44
